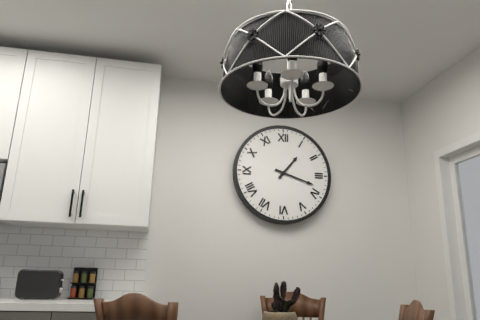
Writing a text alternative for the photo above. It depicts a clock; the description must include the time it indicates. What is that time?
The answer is 1:18
